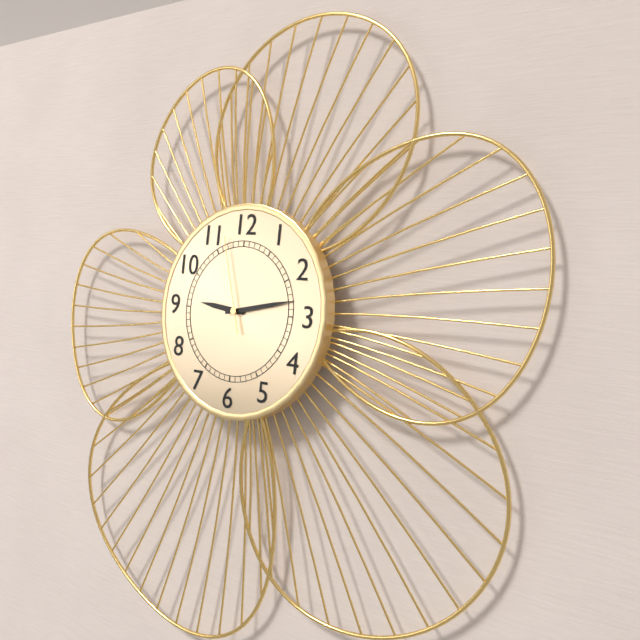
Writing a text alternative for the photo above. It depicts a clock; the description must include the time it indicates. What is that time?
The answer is 9:13:57
